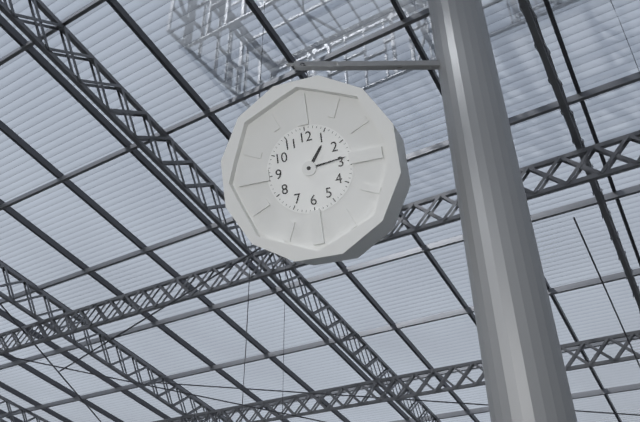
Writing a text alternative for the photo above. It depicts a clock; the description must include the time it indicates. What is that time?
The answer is 1:14
